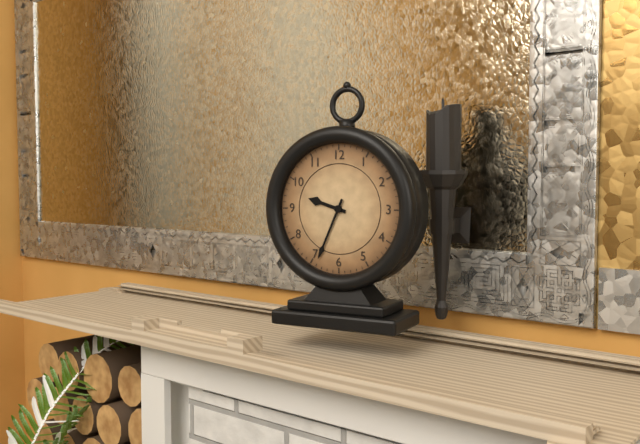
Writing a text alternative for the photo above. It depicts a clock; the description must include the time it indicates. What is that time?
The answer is 9:34
